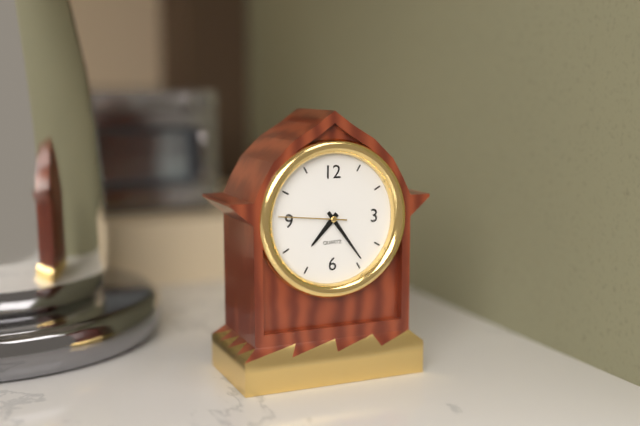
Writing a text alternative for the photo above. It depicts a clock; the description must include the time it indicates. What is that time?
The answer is 7:24:46
